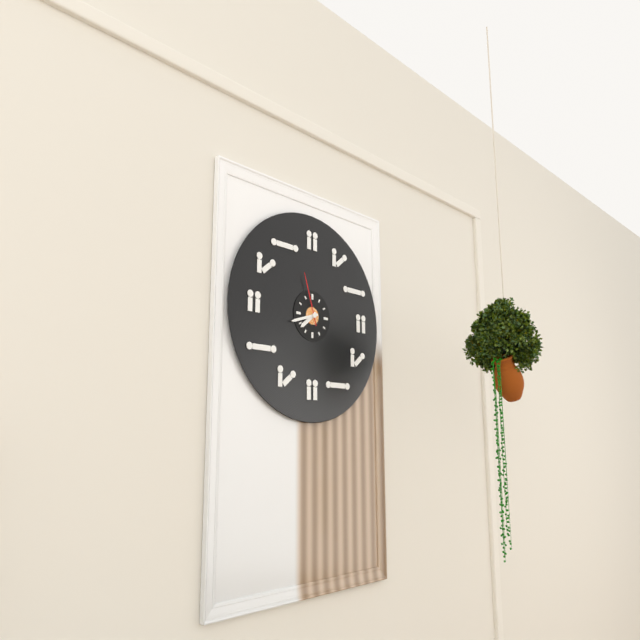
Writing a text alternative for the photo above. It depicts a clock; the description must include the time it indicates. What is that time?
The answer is 7:42:57
